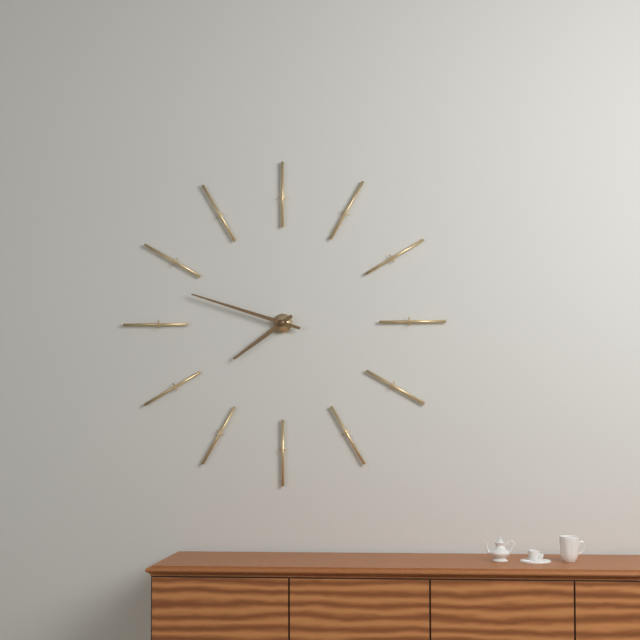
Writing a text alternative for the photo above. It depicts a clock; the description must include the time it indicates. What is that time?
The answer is 7:48
